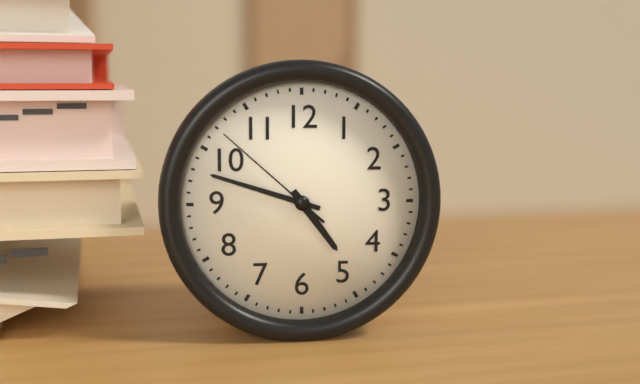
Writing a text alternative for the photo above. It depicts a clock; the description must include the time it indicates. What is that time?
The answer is 4:48:52
